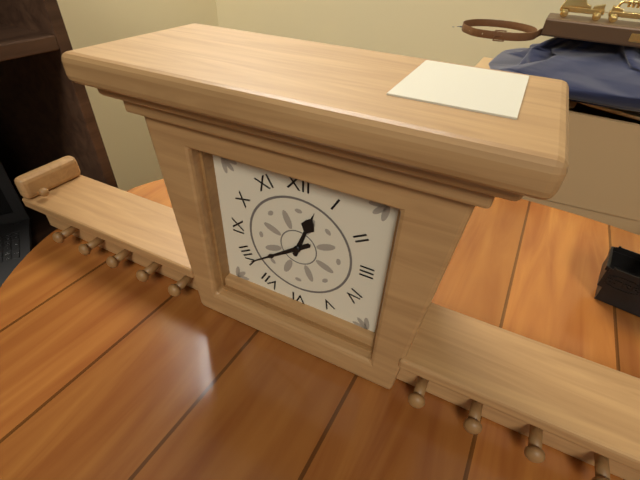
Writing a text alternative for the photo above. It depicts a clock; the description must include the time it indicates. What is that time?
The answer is 12:39
